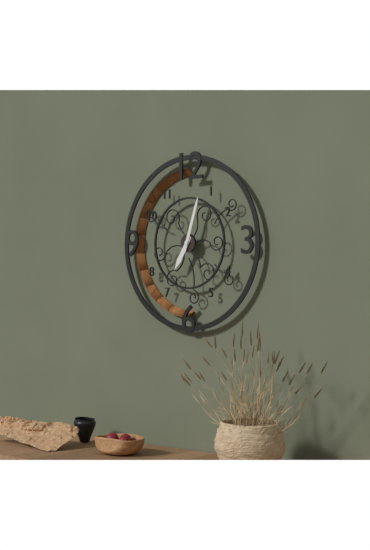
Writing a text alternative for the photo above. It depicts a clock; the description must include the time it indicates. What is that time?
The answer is 7:03
